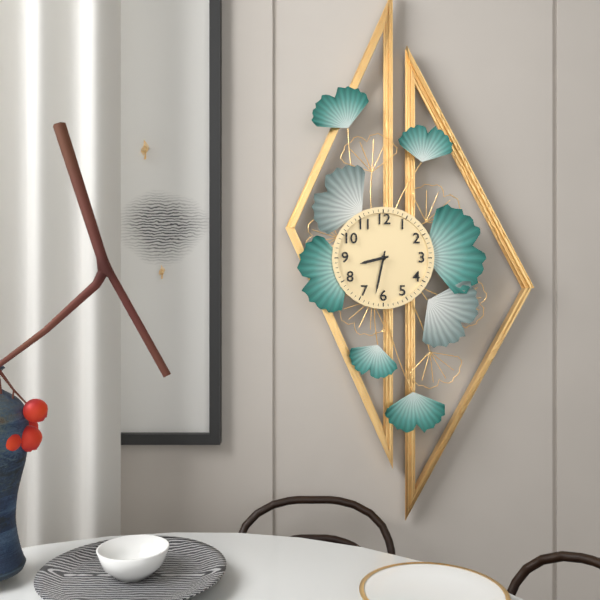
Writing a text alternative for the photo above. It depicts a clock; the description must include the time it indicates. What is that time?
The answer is 8:32
